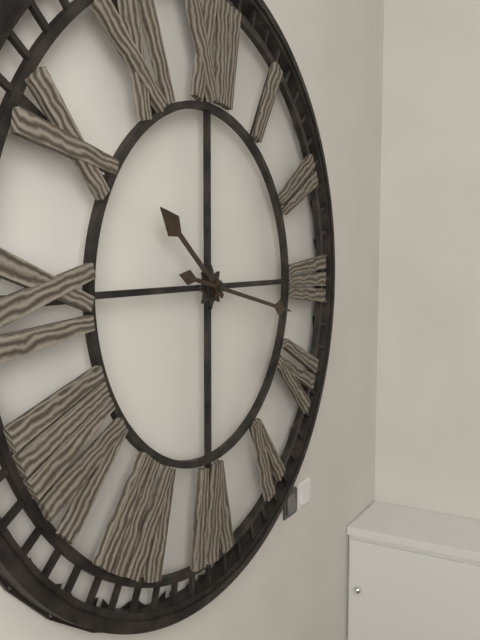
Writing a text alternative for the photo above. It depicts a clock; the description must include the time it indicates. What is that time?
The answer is 10:17
